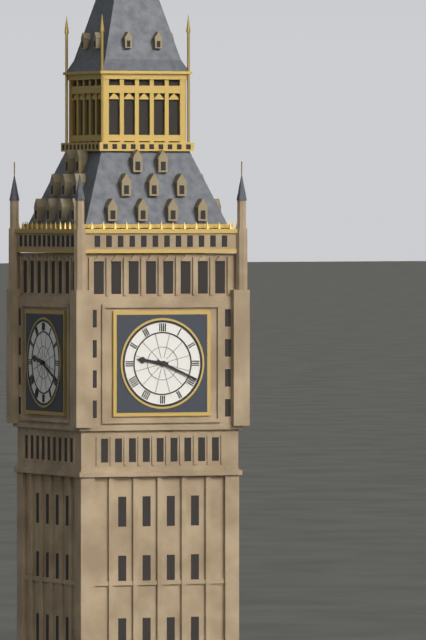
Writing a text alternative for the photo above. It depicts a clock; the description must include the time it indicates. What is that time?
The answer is 9:19
